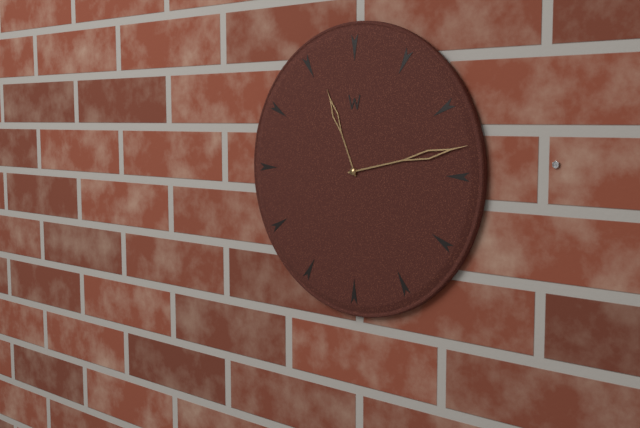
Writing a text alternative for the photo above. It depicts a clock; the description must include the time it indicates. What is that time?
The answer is 11:13
